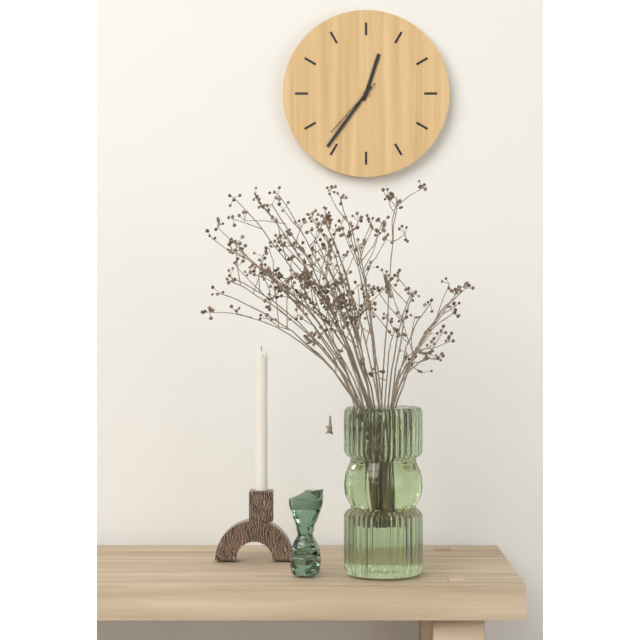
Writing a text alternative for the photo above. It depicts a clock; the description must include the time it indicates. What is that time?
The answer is 12:36:37
